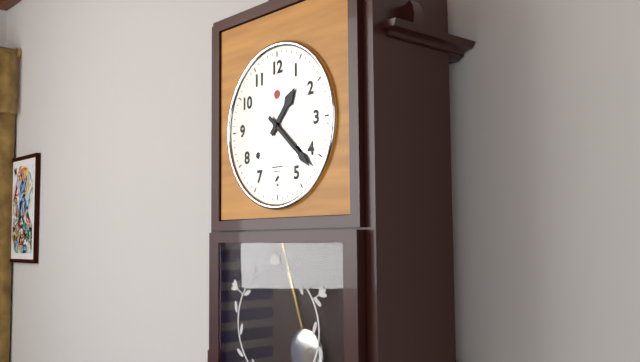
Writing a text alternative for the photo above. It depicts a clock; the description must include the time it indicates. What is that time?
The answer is 1:22
